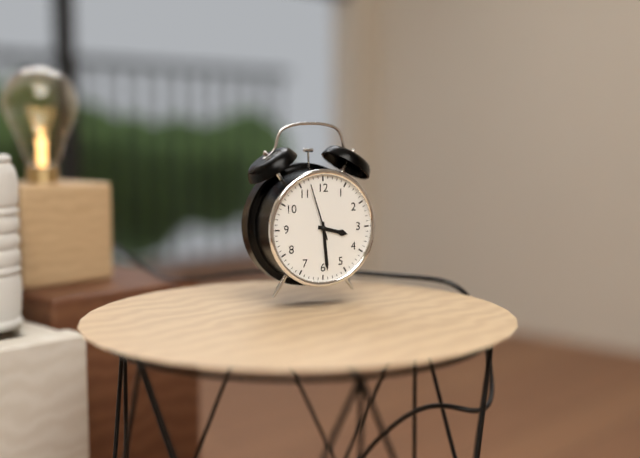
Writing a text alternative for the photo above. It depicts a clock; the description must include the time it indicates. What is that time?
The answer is 3:29:57
